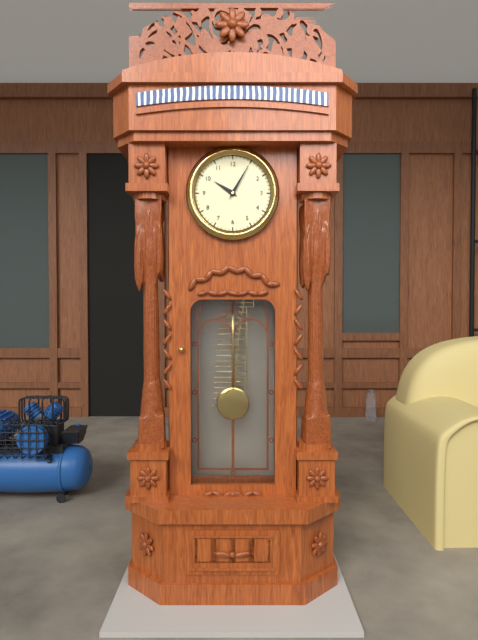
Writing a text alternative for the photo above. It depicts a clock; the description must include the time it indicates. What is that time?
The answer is 10:05
